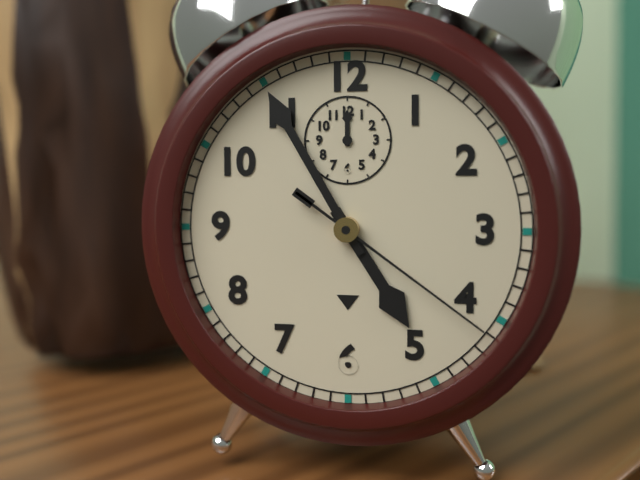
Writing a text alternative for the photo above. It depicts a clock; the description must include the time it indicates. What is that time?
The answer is 4:55:21
